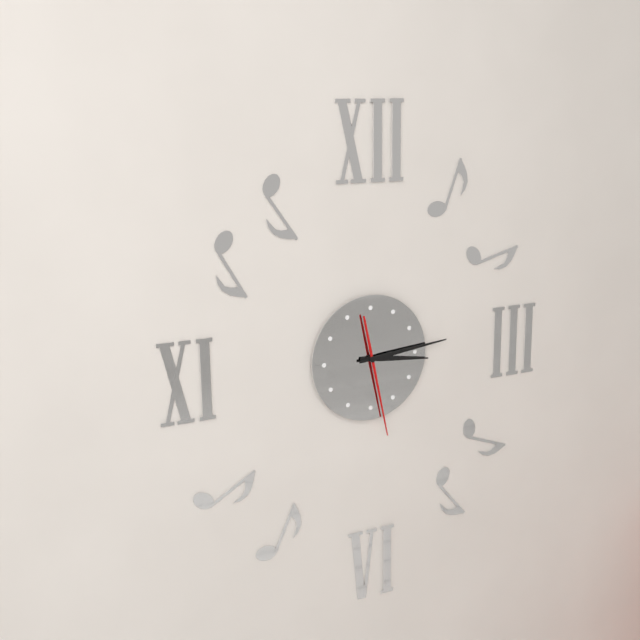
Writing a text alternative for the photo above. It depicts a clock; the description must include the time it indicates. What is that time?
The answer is 3:14:28
